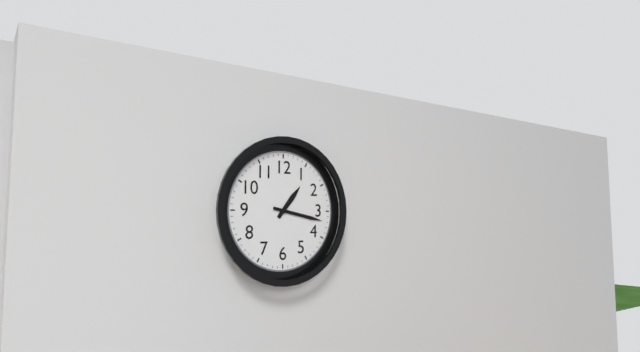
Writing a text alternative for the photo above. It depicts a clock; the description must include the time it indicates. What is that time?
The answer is 1:17
